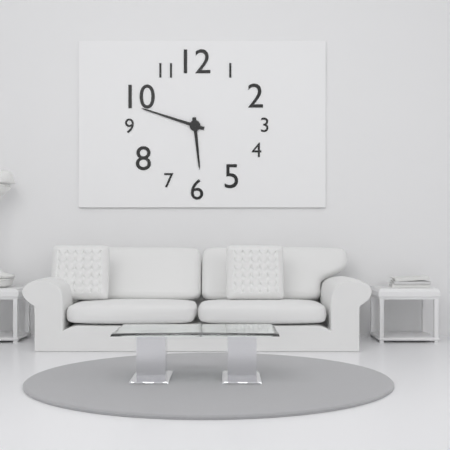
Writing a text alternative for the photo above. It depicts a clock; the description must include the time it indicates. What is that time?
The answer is 5:48
